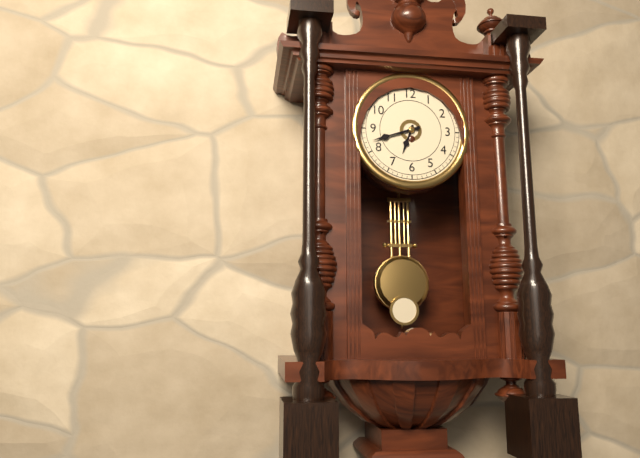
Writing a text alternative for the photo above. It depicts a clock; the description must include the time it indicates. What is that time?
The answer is 6:42
